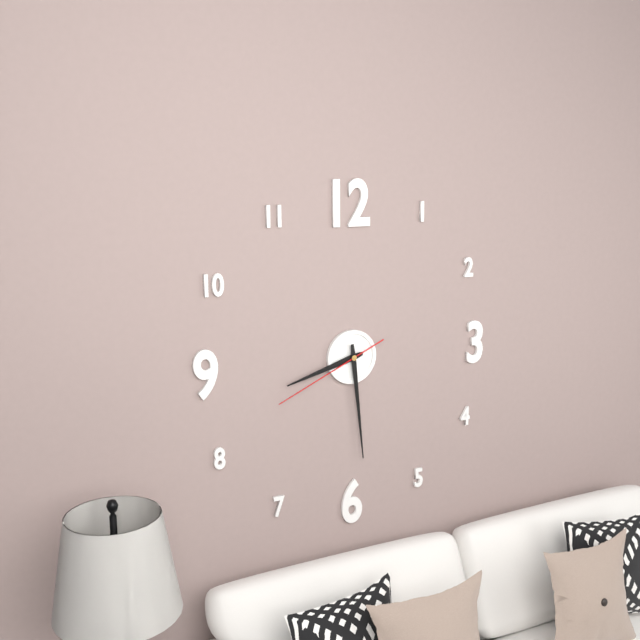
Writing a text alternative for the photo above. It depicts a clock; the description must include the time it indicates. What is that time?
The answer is 8:29:41
